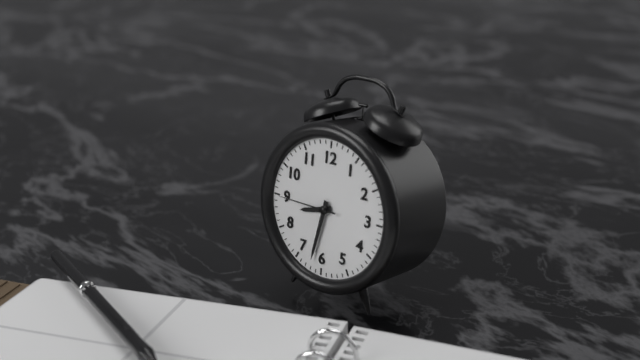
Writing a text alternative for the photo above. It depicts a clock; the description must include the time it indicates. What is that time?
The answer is 8:32:45
